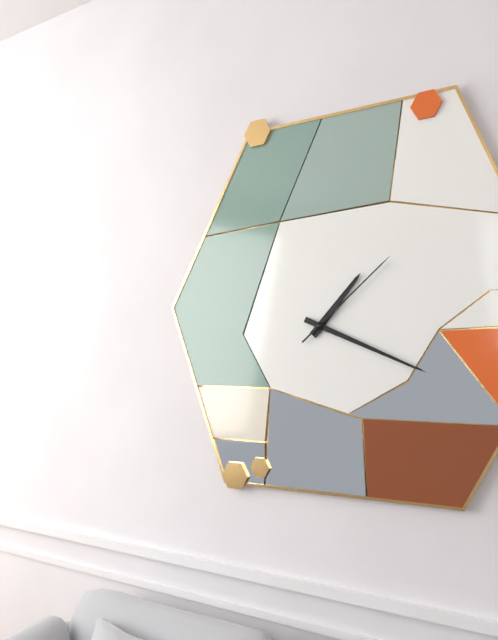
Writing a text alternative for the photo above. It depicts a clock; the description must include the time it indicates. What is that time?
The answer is 1:19:08
